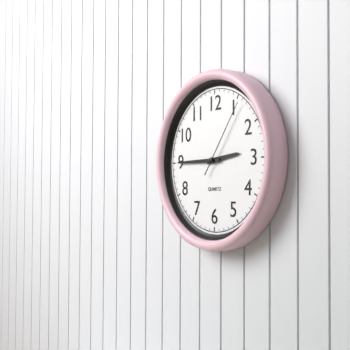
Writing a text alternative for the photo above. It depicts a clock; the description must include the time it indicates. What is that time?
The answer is 2:45:06
